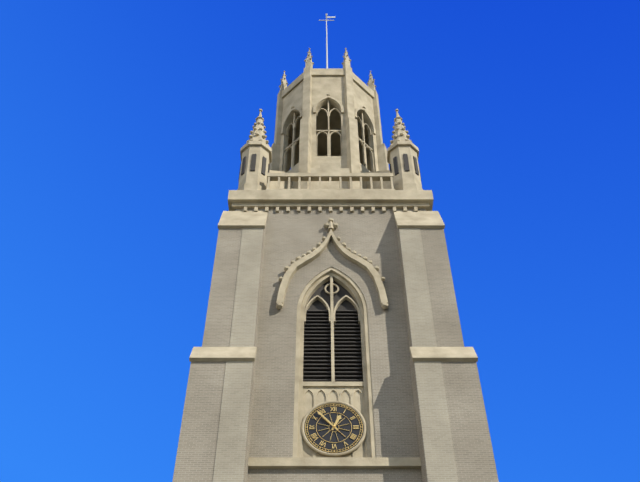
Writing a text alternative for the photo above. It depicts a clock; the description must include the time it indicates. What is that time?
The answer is 12:53
